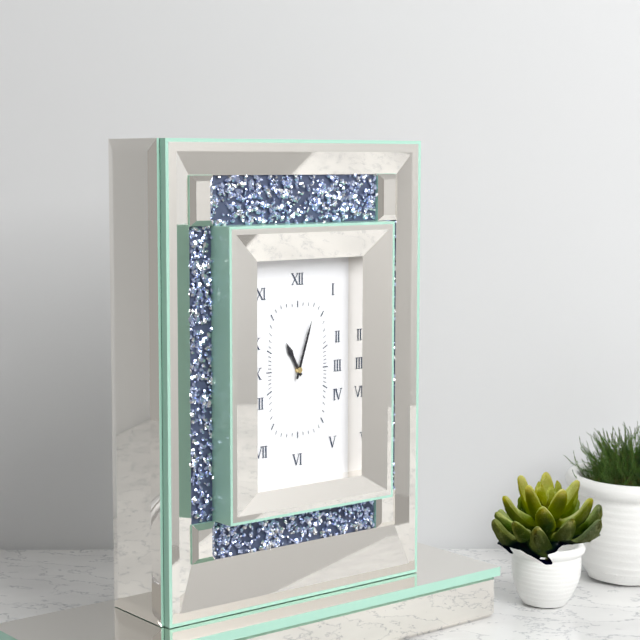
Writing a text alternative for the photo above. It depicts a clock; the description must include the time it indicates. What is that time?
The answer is 11:03
